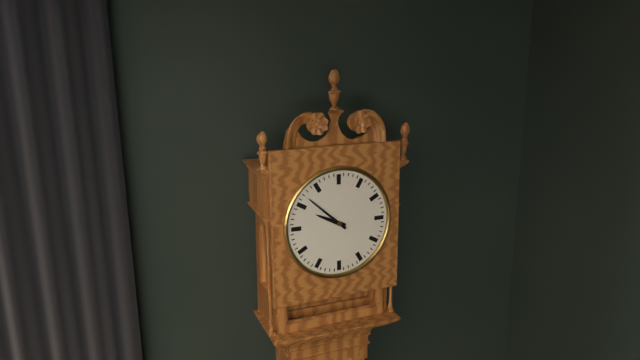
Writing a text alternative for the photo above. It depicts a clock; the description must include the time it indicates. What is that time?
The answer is 9:52
